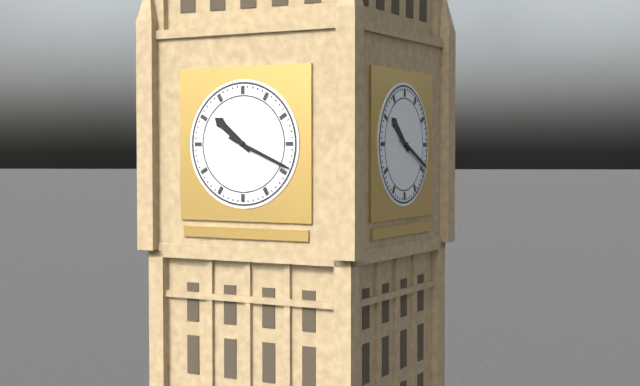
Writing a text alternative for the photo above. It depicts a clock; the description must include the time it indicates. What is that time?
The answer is 10:19
